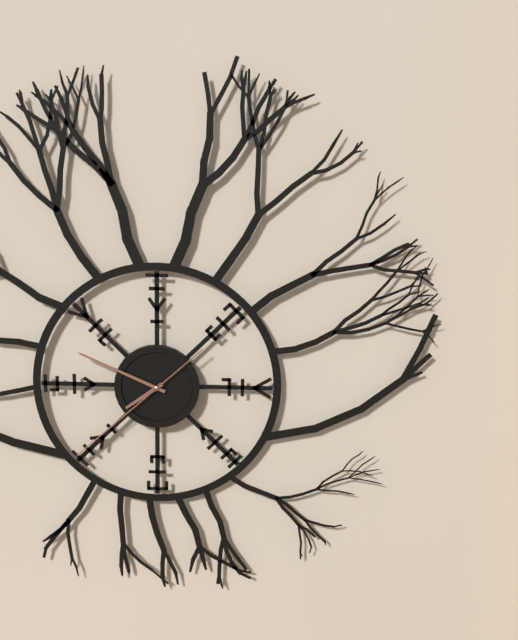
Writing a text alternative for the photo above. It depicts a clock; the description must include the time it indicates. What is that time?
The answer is 7:49:38
